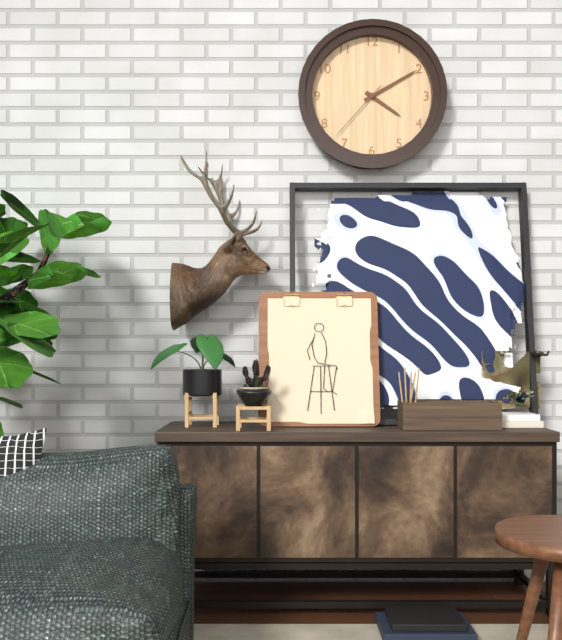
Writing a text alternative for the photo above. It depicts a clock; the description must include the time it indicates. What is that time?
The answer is 4:10:37
